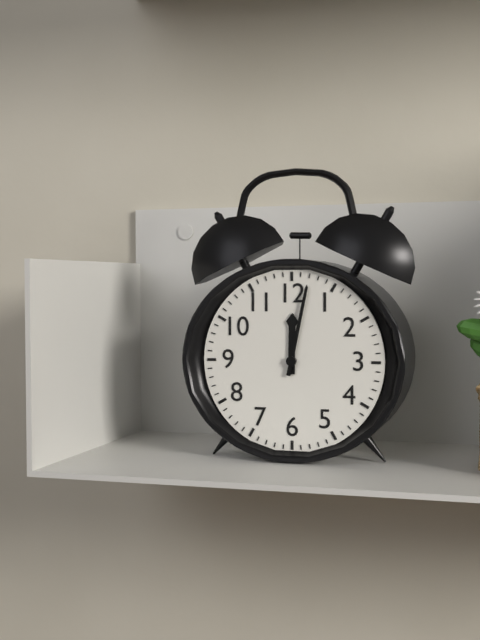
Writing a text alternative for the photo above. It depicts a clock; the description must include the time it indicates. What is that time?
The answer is 12:02
